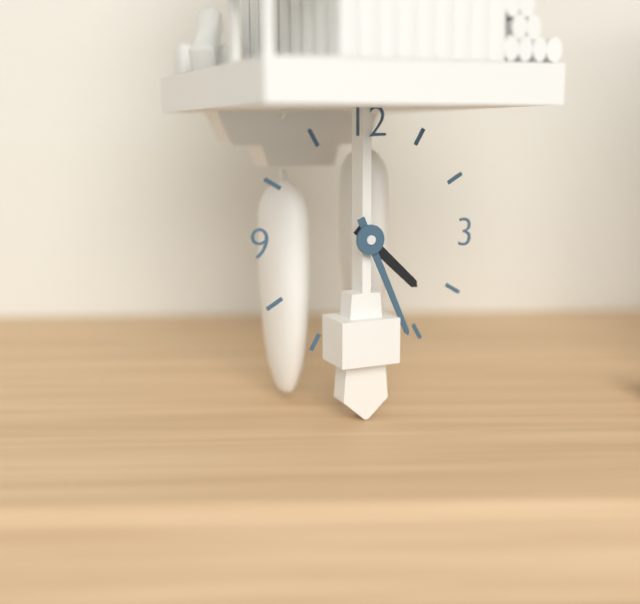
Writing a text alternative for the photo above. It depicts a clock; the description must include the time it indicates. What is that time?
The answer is 4:26
